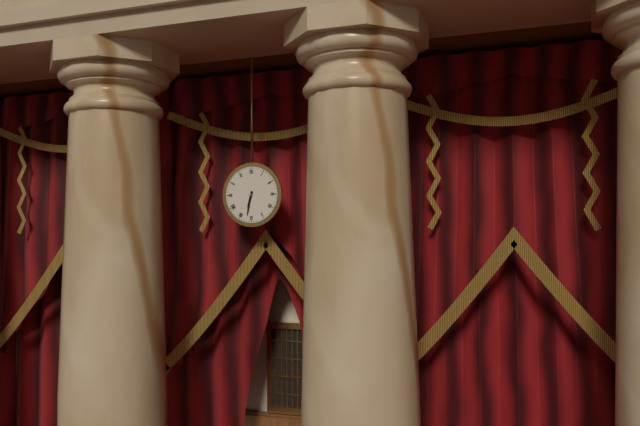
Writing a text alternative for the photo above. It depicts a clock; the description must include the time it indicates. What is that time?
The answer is 6:32
